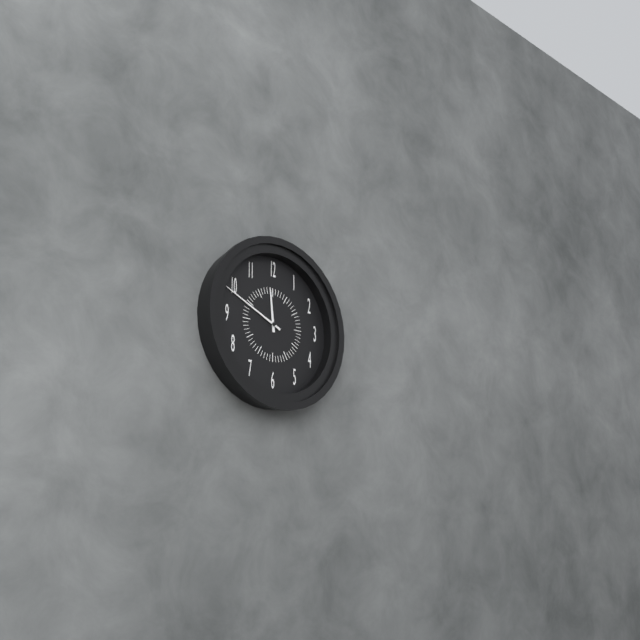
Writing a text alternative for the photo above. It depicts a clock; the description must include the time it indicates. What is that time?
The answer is 11:49
